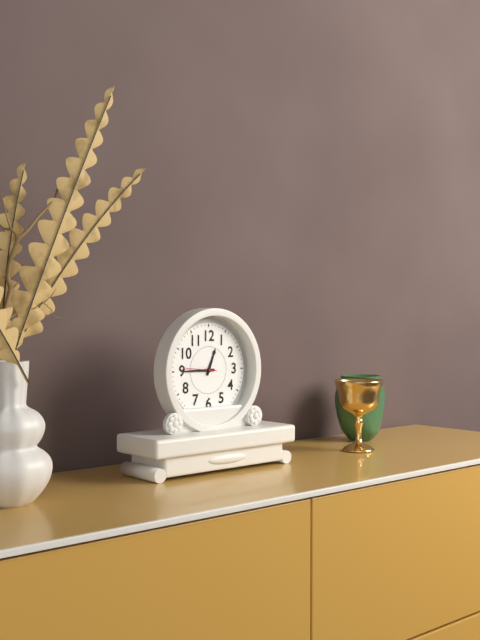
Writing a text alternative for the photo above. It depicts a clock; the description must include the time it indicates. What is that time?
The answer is 12:45
